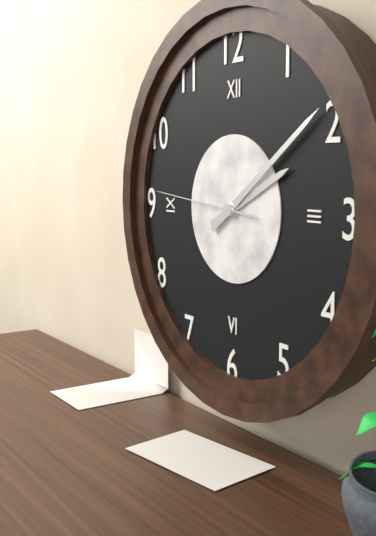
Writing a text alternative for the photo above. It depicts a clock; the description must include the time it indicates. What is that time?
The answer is 2:09:46
